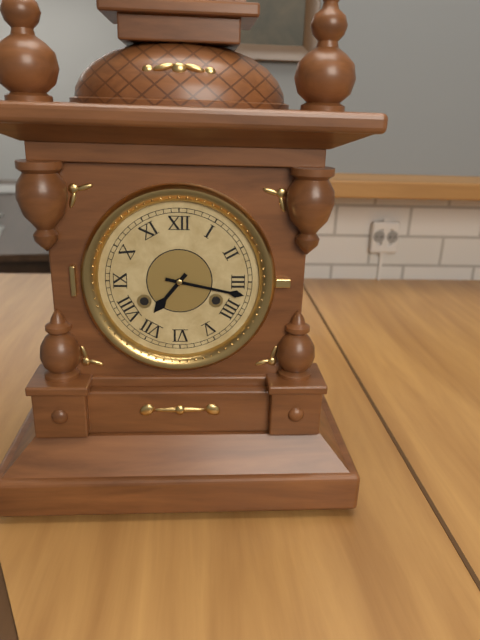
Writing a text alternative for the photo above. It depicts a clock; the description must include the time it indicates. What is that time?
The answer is 7:17
